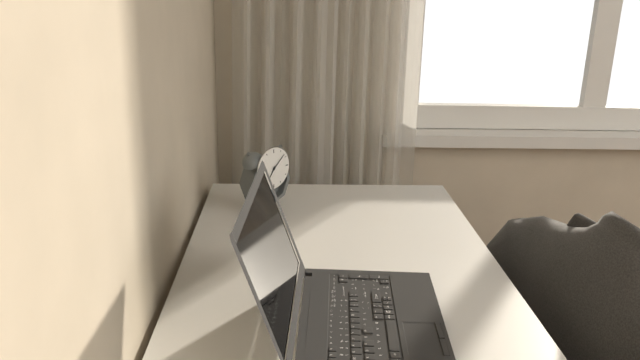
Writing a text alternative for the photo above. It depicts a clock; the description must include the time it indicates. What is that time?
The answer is 7:08
